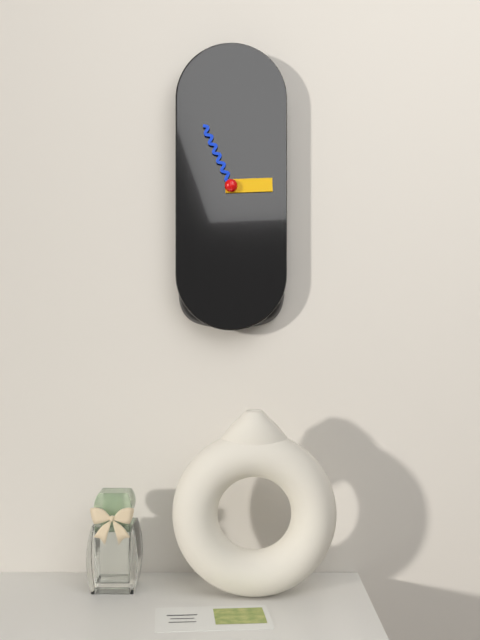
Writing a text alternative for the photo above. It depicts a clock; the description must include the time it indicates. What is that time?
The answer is 2:56
